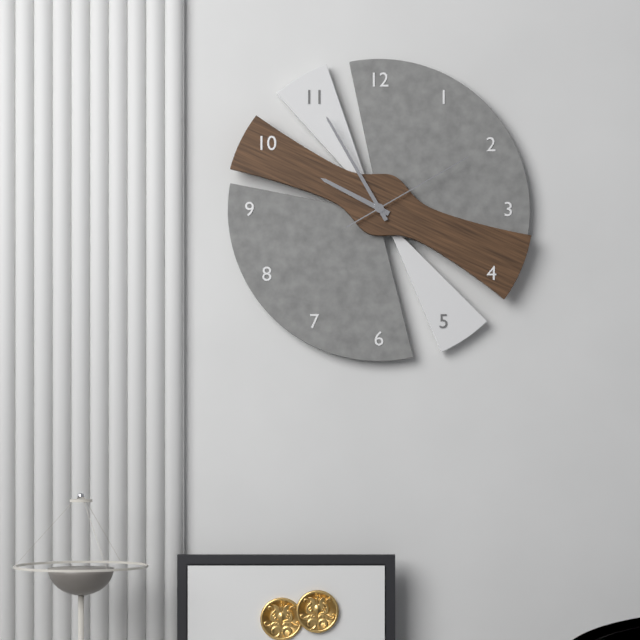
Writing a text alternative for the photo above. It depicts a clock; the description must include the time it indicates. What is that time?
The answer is 9:55:10
